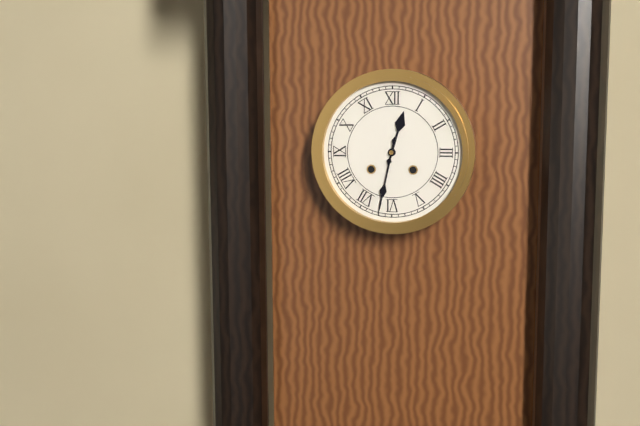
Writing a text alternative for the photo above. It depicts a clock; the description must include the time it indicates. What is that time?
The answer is 12:32
